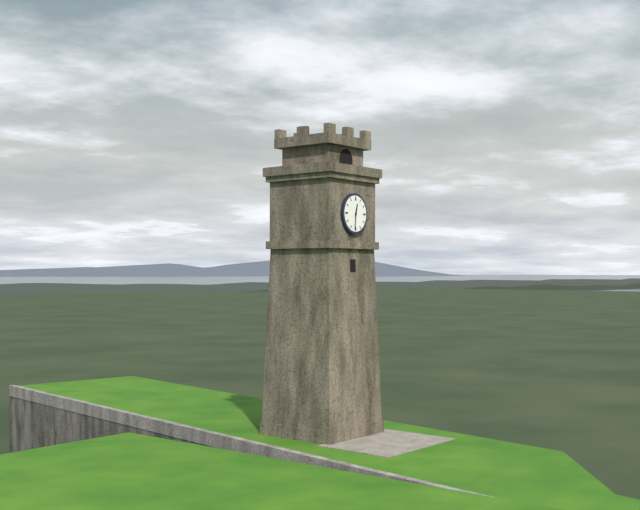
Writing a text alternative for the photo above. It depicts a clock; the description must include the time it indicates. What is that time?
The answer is 12:31
